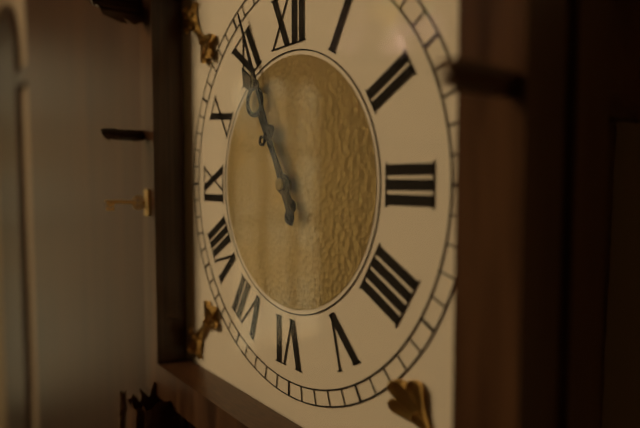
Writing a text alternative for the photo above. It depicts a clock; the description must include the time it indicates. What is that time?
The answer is 10:56
